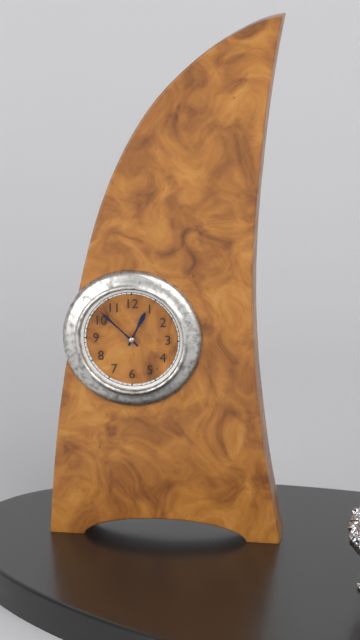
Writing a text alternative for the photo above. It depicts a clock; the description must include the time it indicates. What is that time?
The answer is 12:52
